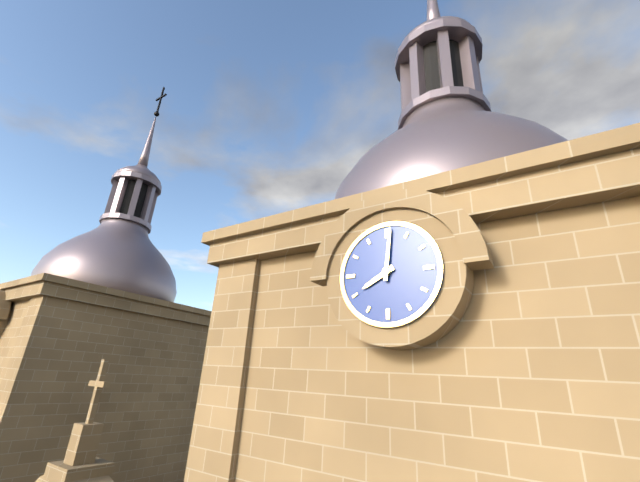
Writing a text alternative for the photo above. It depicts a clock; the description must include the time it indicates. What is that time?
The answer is 8:01
